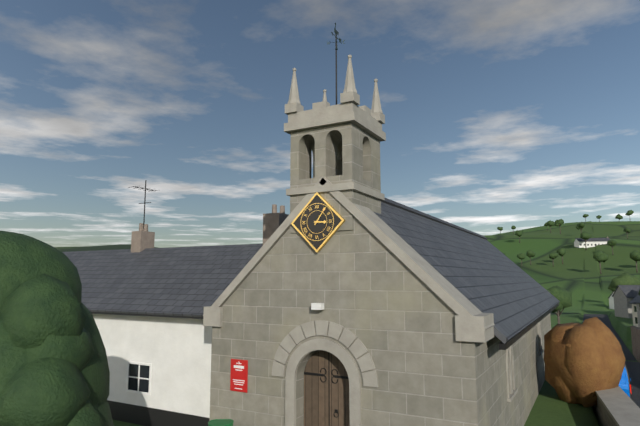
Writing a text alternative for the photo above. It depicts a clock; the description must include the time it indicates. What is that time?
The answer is 3:06
